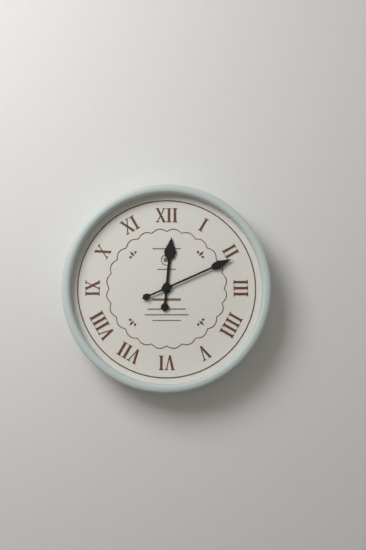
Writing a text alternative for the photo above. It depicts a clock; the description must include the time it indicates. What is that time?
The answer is 12:11
